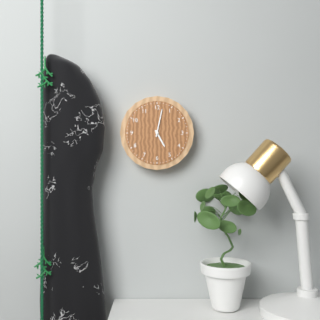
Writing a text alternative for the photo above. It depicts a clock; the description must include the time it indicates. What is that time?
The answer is 5:02
